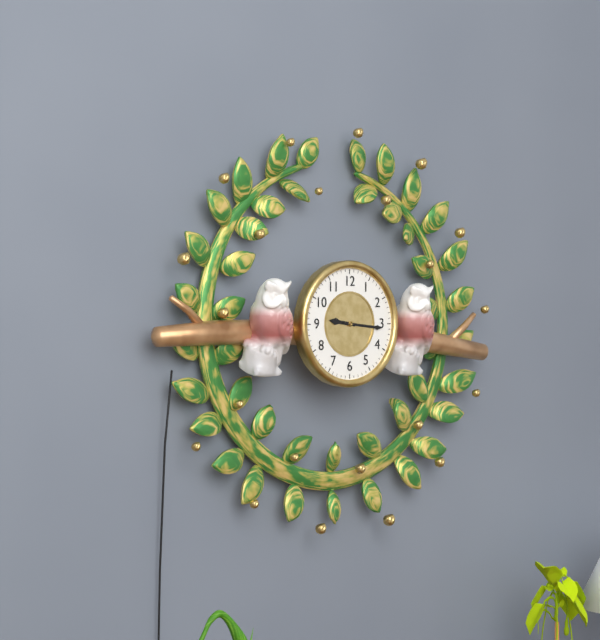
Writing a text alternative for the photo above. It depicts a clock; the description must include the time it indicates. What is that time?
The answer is 9:16
